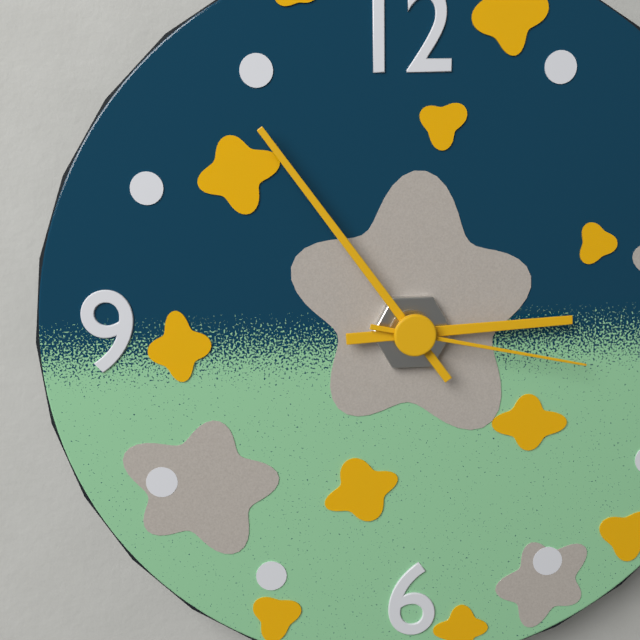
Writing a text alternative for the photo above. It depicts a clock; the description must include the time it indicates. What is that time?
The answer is 2:54:17
